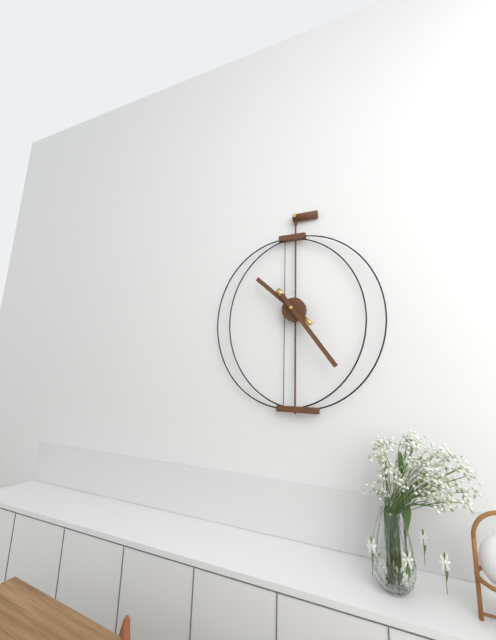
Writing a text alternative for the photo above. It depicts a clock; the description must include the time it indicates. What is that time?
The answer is 10:24
